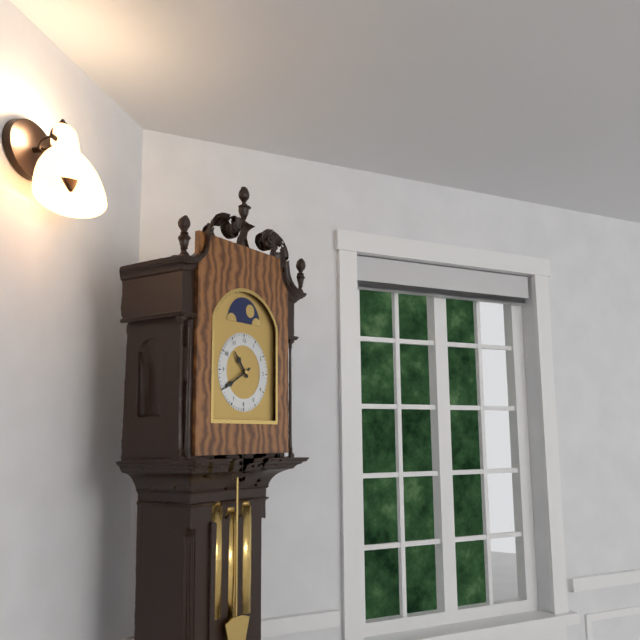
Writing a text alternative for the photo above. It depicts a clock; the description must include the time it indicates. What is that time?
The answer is 10:40
